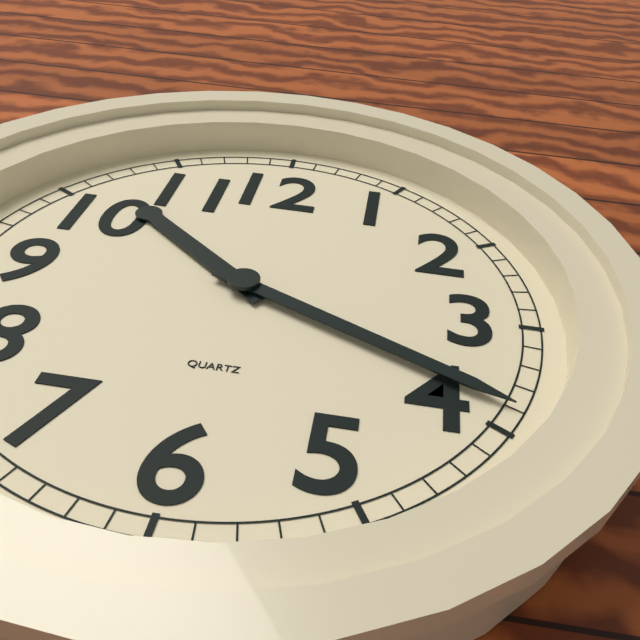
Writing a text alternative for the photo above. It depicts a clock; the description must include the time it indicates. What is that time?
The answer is 10:19
